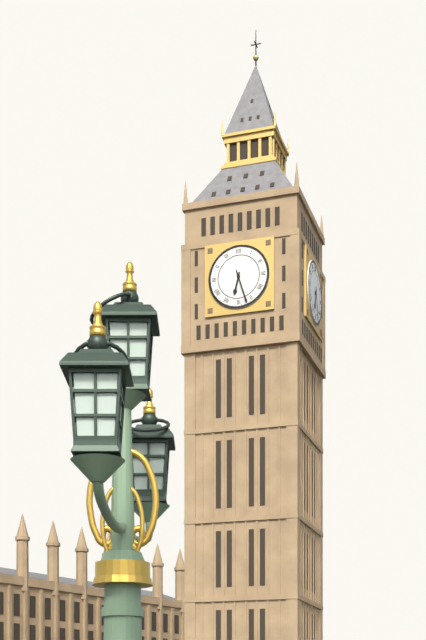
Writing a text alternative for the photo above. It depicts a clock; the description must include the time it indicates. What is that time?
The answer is 6:27
